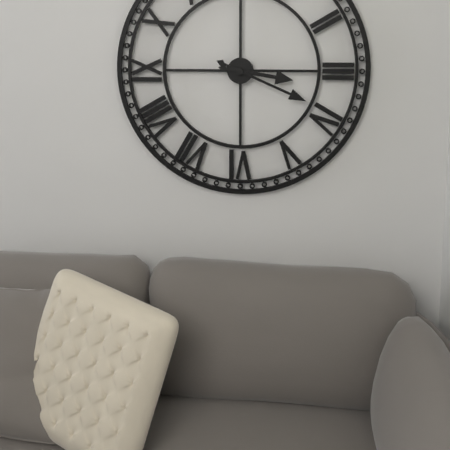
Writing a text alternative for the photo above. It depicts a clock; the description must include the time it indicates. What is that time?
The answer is 3:19
